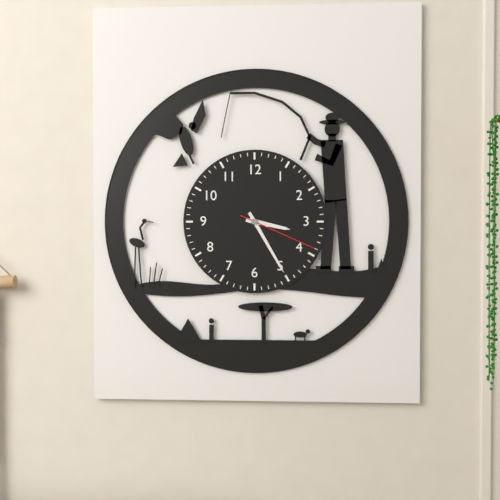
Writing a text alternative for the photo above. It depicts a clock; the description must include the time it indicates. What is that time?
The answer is 3:25:19
